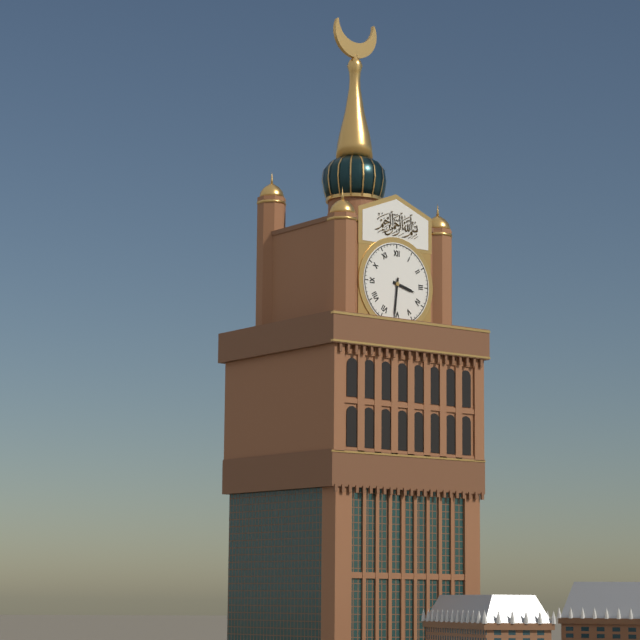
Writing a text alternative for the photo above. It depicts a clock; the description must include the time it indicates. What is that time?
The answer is 3:31
